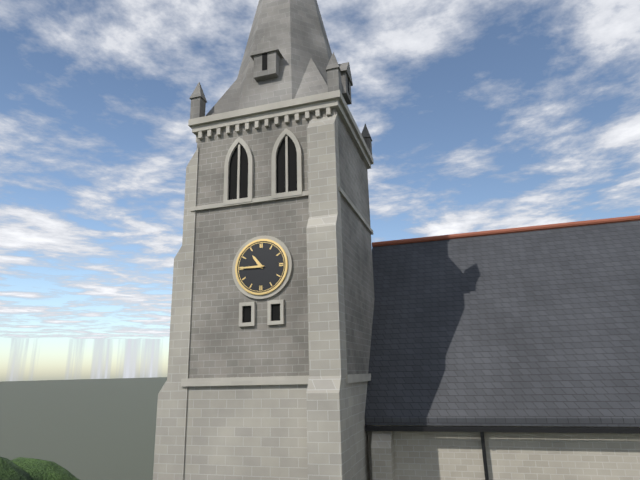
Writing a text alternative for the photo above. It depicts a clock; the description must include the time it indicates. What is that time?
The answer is 10:45
